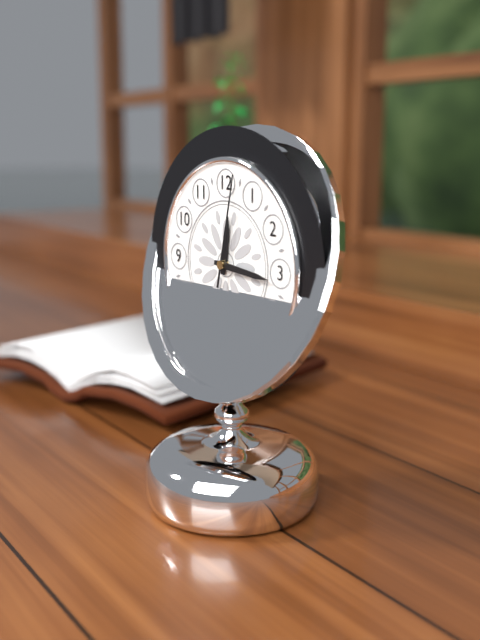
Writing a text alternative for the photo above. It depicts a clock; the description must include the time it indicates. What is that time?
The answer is 12:16:02
